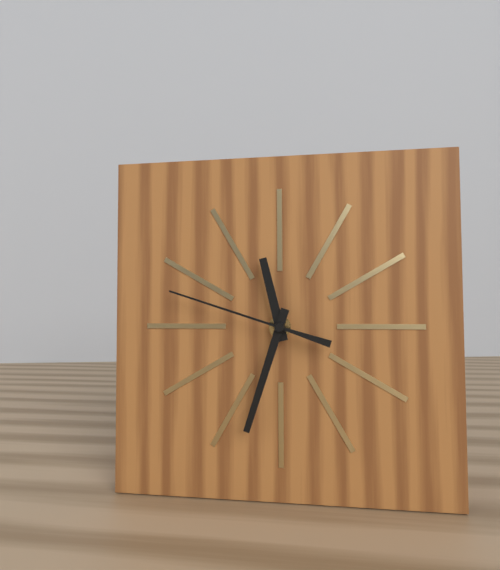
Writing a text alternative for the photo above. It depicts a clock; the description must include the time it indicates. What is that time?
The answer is 11:33:48
